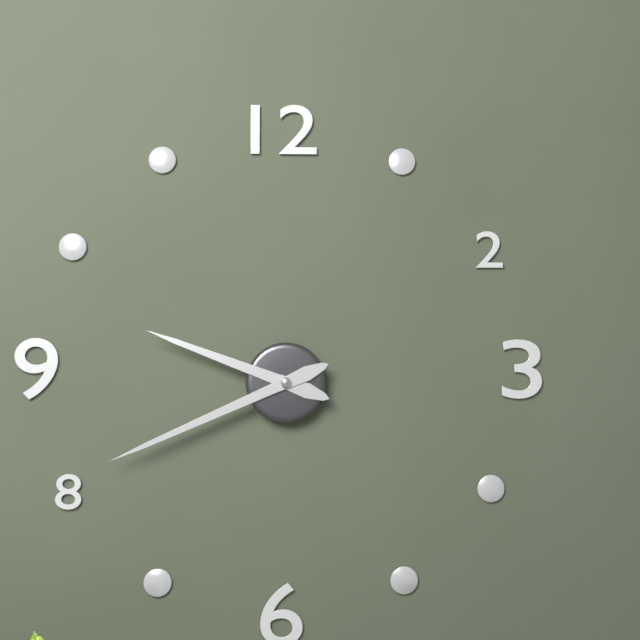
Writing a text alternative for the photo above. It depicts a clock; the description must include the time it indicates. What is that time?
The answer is 9:41
